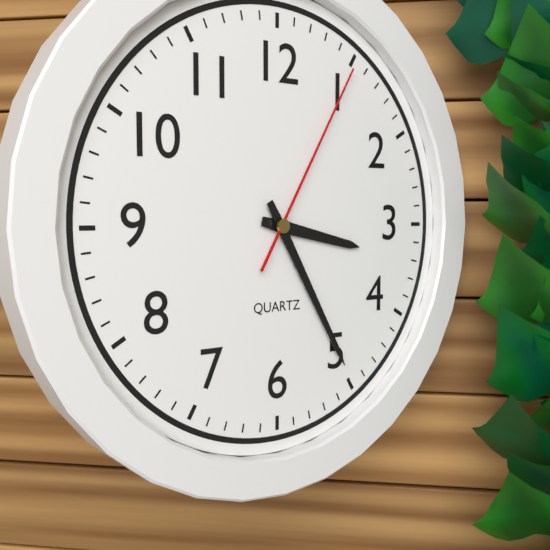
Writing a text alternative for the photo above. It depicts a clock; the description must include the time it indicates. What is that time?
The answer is 3:25:05
